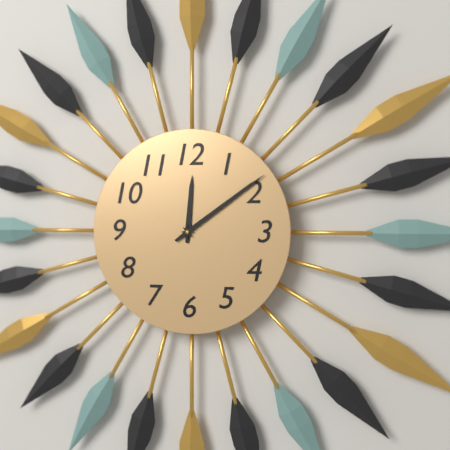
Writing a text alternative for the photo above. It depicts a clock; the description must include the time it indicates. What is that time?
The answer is 12:09
